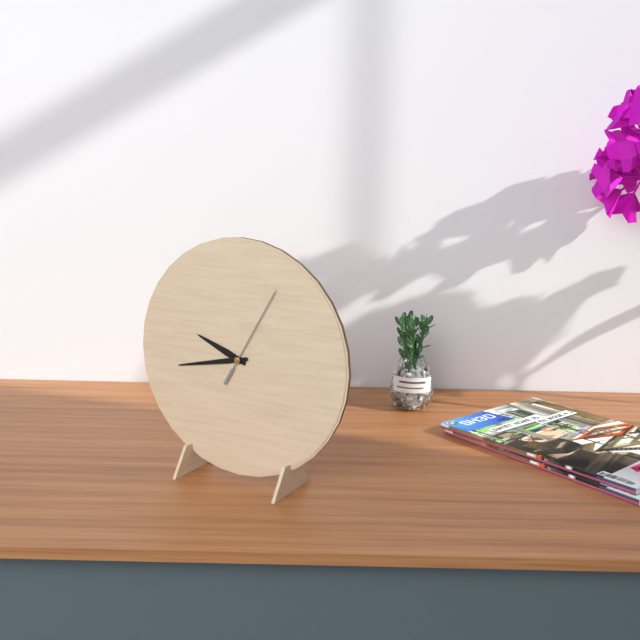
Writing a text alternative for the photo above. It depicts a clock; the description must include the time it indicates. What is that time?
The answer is 9:43:05
